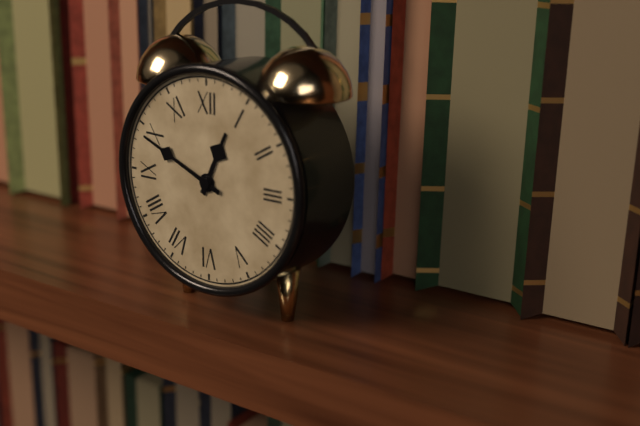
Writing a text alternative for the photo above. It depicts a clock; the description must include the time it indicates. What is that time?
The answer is 12:49
